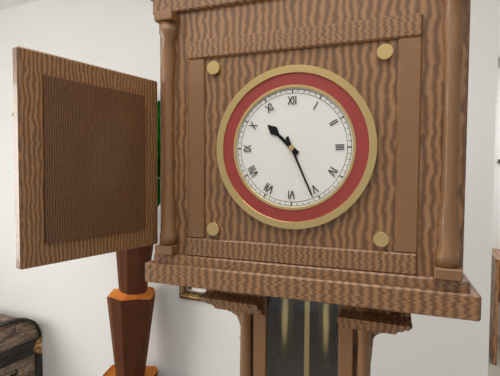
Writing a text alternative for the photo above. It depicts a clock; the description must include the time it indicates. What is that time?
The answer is 10:26
